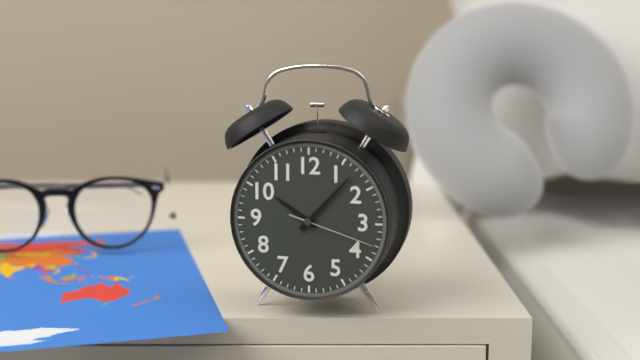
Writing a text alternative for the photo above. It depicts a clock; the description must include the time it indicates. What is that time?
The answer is 10:07:18
